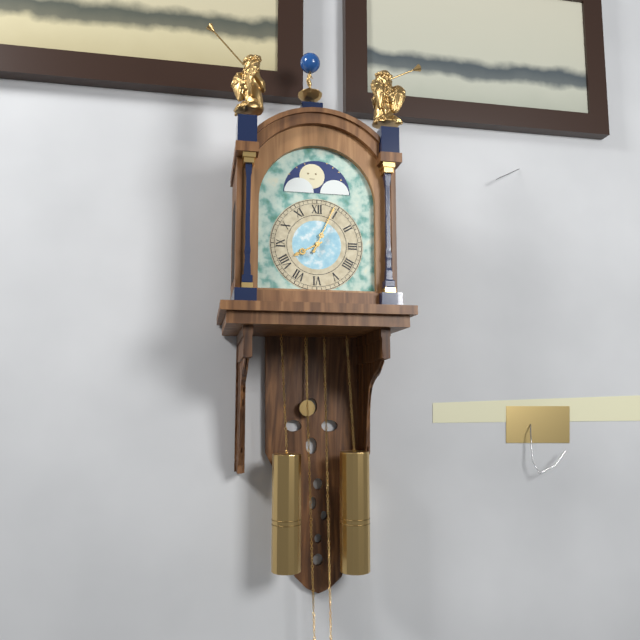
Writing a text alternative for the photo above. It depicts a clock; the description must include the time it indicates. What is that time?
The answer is 8:04
